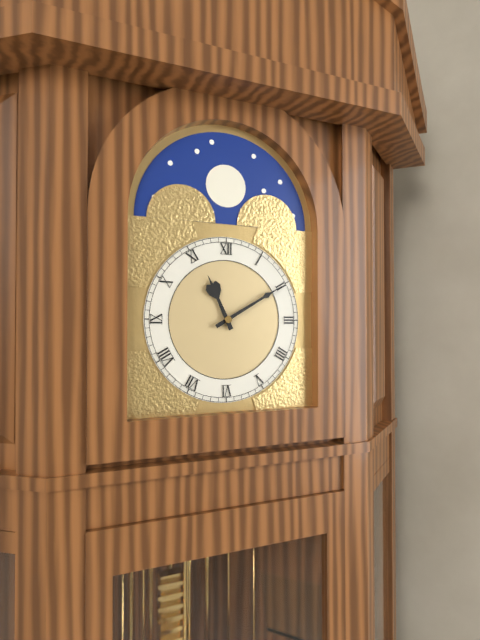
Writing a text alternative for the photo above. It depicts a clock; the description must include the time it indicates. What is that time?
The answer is 11:10
